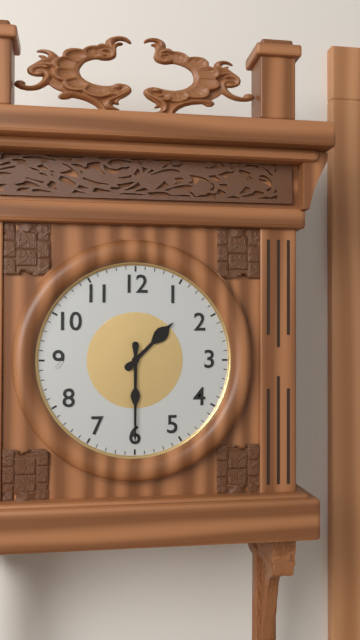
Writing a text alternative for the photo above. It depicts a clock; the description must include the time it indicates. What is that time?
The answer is 1:30
